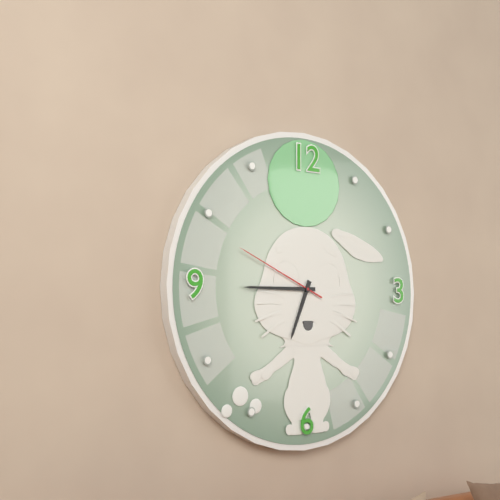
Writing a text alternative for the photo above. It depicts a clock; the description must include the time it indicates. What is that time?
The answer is 6:45:49
